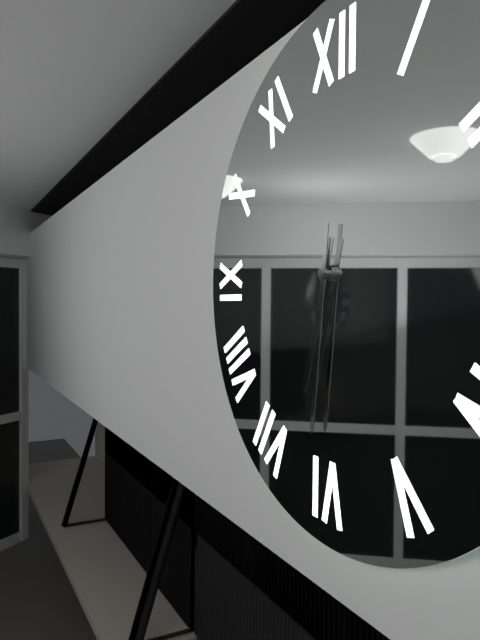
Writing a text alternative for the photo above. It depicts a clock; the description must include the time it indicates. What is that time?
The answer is 6:31
